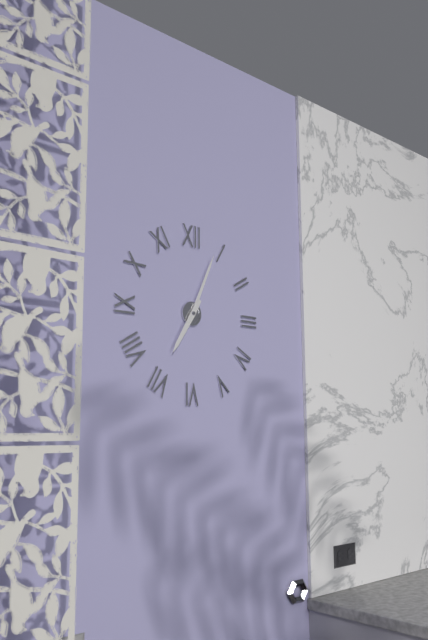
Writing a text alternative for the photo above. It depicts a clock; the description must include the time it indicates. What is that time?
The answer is 7:04
